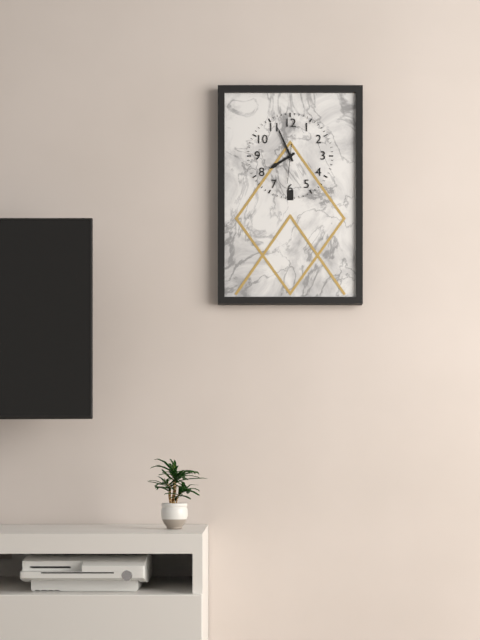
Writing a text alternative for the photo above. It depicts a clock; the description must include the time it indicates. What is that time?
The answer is 7:56
